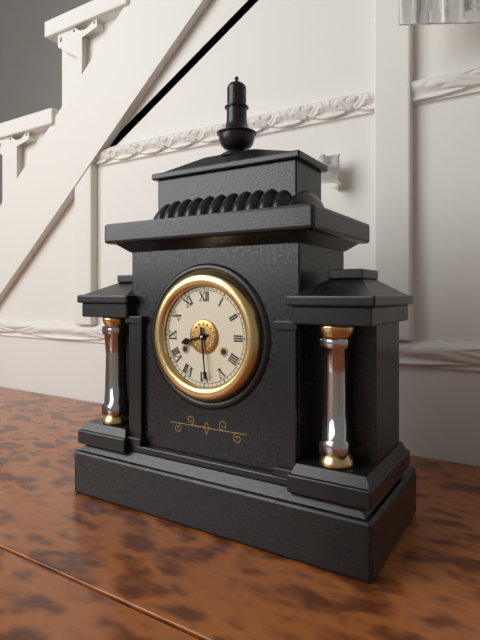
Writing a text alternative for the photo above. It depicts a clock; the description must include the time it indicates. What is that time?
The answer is 8:29
